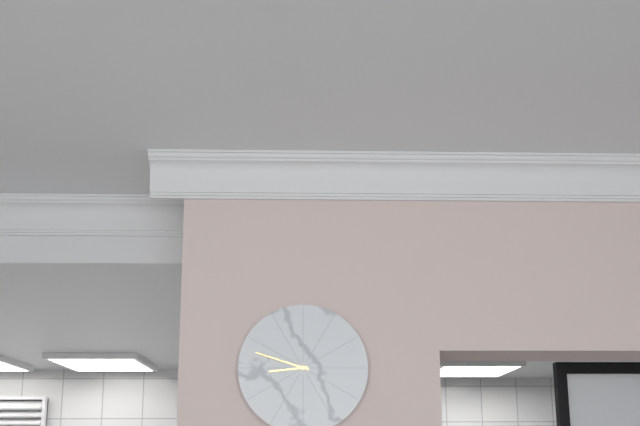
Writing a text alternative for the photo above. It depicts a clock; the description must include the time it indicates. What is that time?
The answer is 8:48
